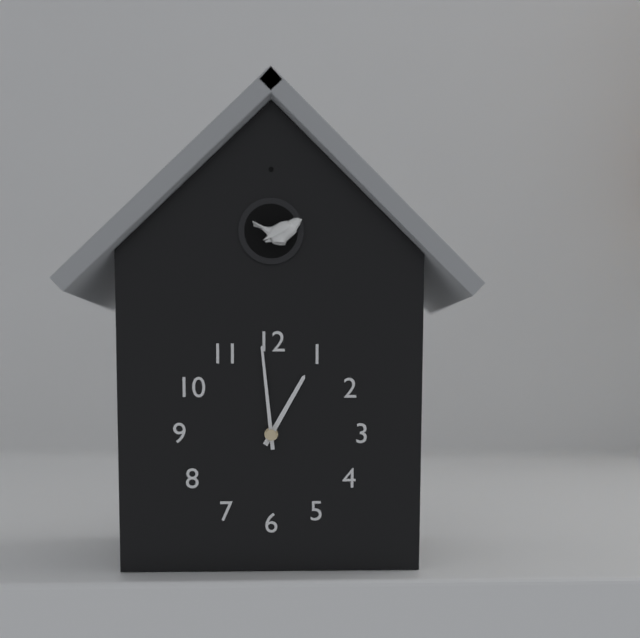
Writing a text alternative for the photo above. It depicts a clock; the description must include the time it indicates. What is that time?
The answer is 12:59
